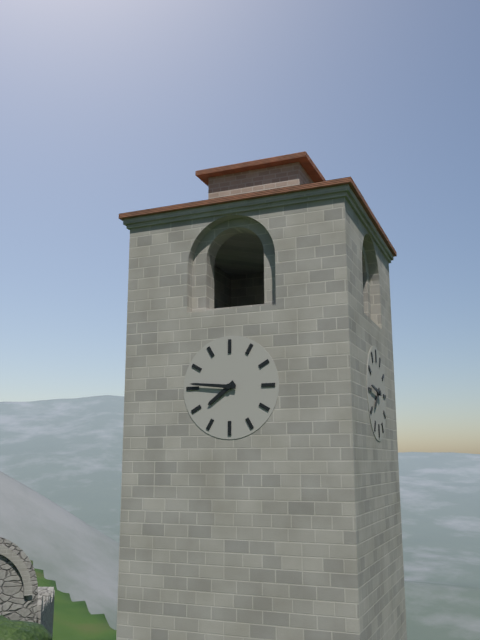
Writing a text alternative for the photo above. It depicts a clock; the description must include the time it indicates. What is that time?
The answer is 7:46
